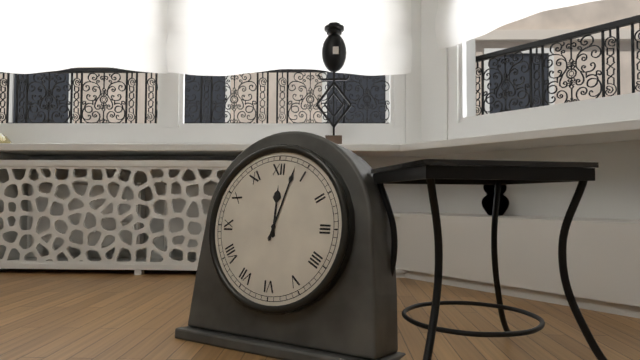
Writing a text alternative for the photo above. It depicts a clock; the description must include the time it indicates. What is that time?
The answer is 12:03
